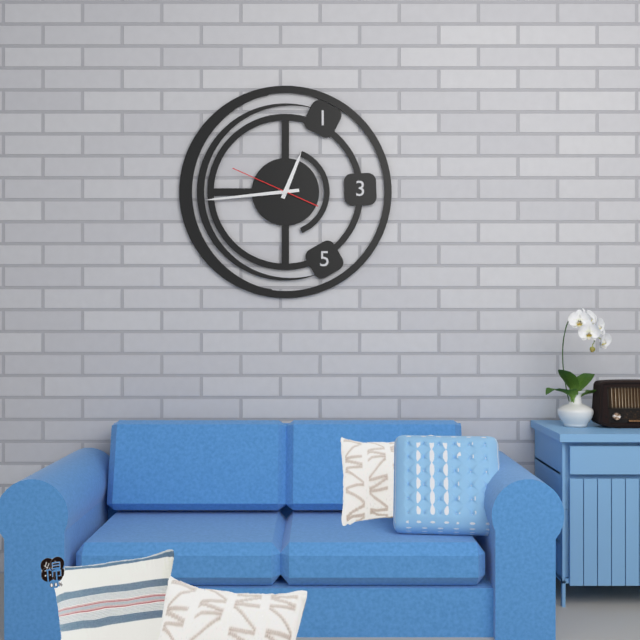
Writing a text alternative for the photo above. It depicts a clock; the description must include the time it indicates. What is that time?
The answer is 12:44:49
